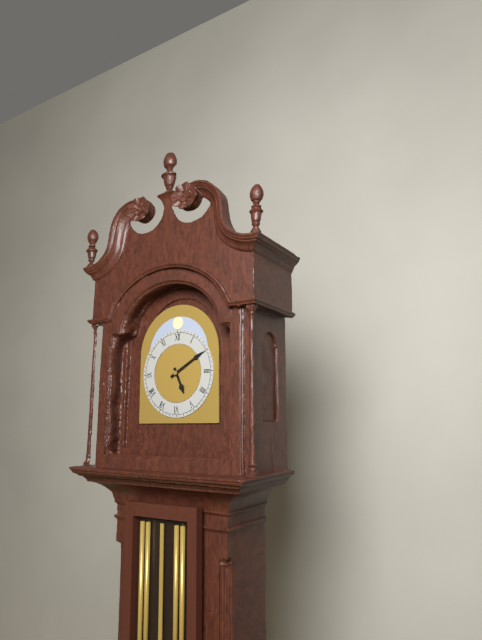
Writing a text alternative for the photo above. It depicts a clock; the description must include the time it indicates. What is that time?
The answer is 5:10
